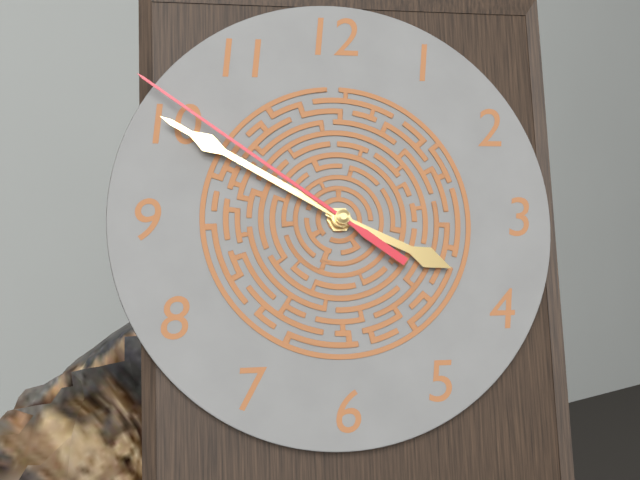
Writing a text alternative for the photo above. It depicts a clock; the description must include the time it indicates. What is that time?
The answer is 3:50:51
